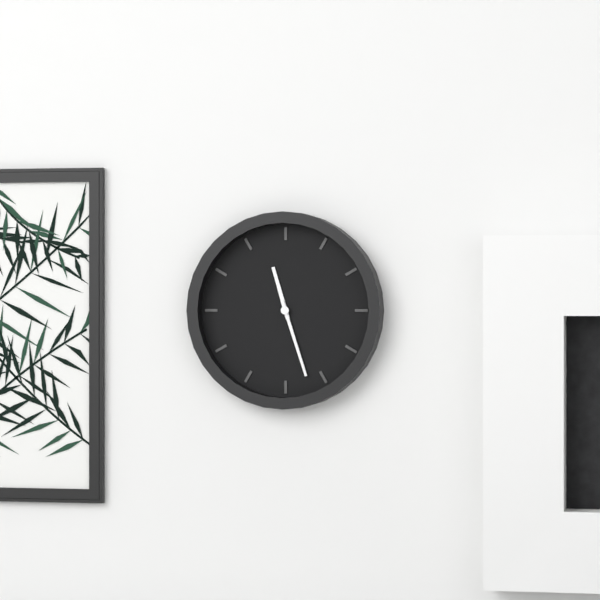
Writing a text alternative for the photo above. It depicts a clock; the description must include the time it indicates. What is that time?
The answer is 11:27
